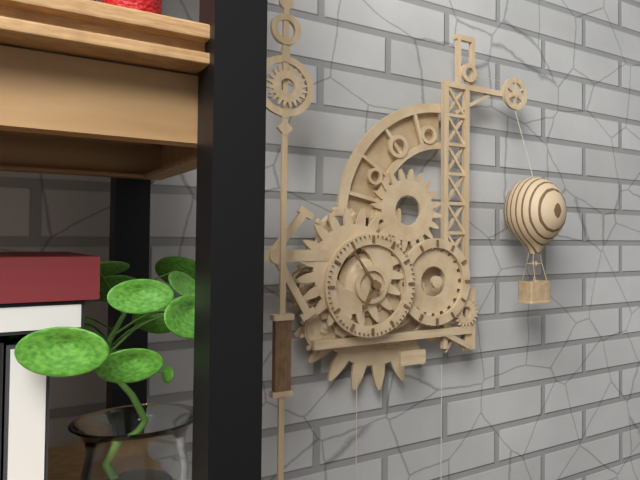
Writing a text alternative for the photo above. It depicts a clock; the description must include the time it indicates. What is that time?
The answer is 6:54
